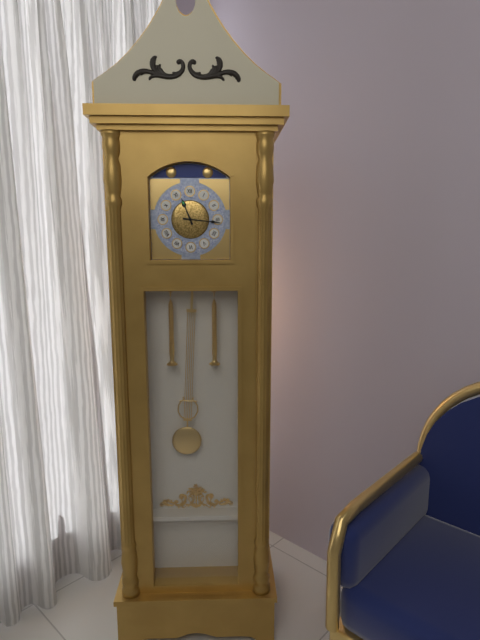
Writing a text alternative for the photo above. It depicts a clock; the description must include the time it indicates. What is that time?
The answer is 11:16
